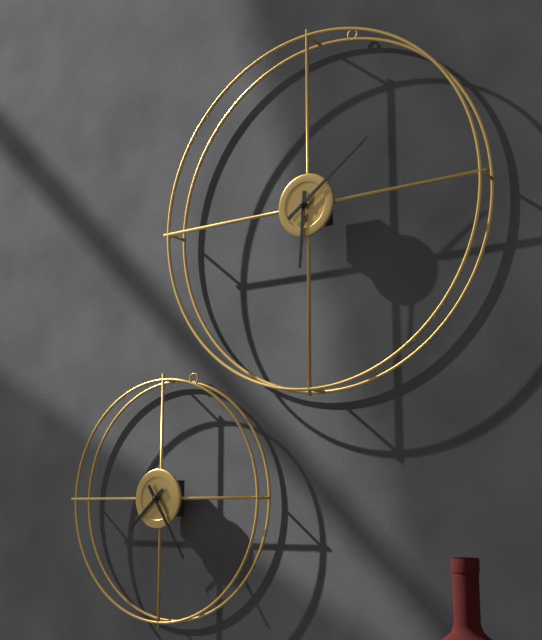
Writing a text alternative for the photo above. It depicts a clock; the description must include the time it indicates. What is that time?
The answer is 6:09
